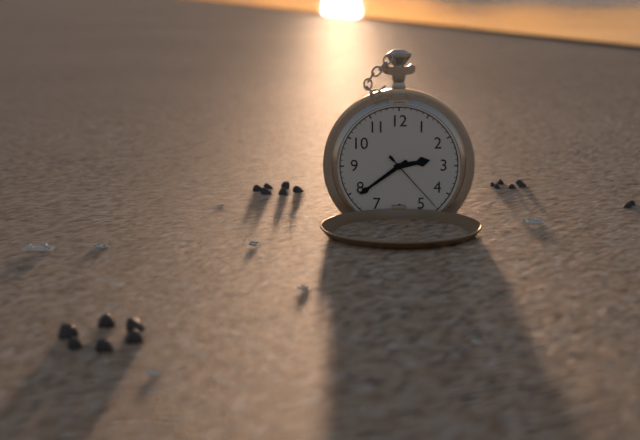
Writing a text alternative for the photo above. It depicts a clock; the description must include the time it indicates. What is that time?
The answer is 2:39:23
